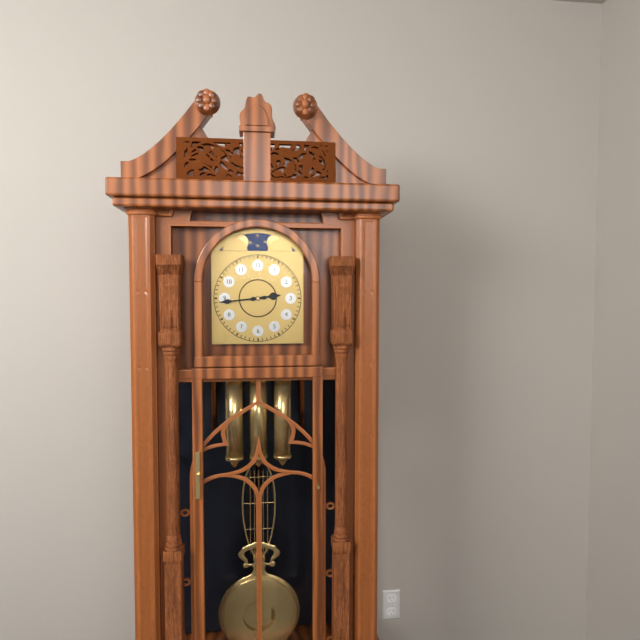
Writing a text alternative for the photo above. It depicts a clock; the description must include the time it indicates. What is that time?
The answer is 2:44
